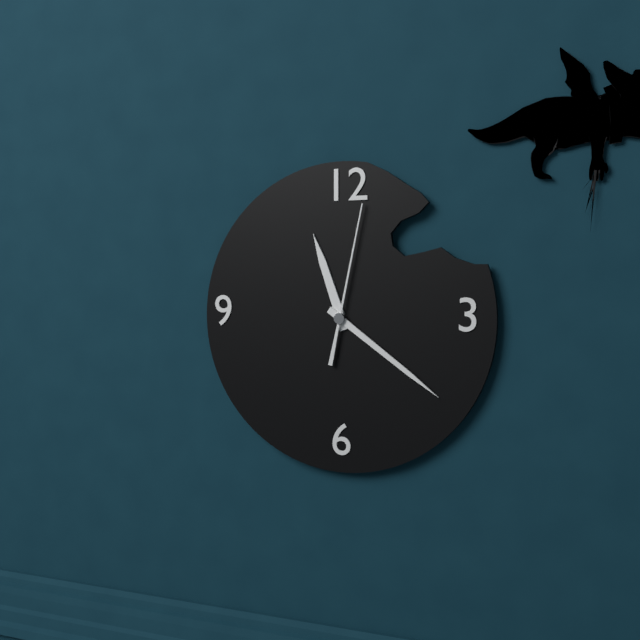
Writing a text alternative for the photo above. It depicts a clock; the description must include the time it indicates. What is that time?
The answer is 11:21:02
